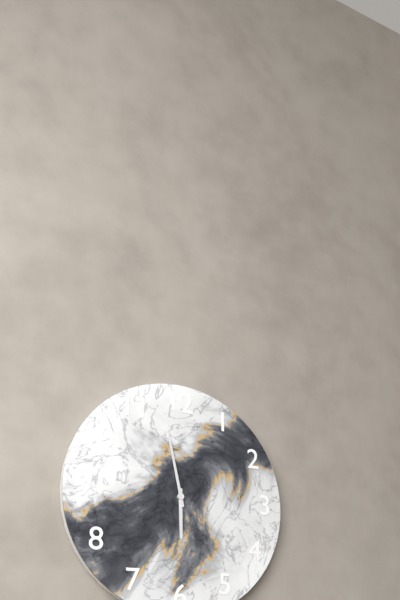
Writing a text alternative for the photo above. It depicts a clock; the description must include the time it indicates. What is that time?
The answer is 5:58
